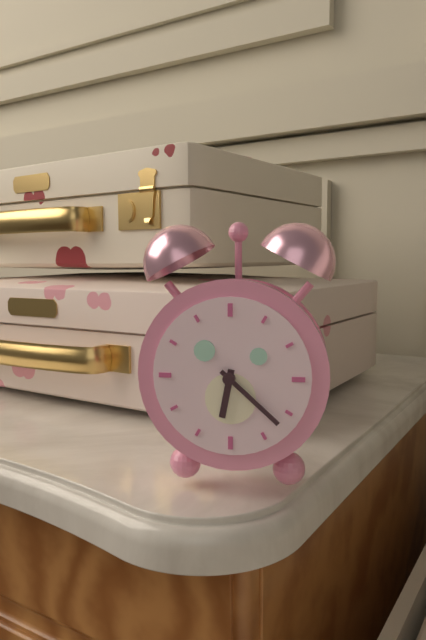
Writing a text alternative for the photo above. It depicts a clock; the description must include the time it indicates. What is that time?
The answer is 6:22
